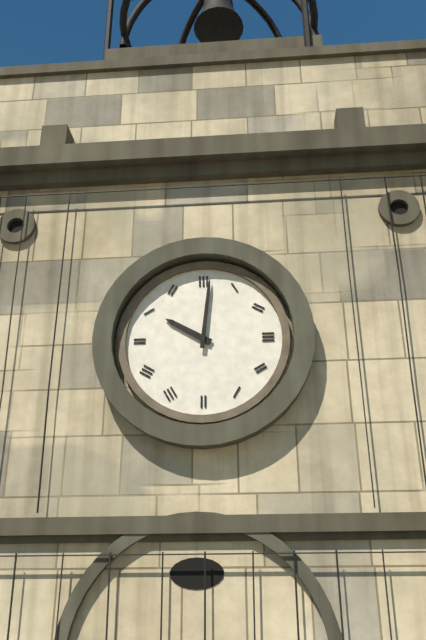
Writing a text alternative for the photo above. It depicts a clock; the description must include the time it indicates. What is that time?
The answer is 10:01
